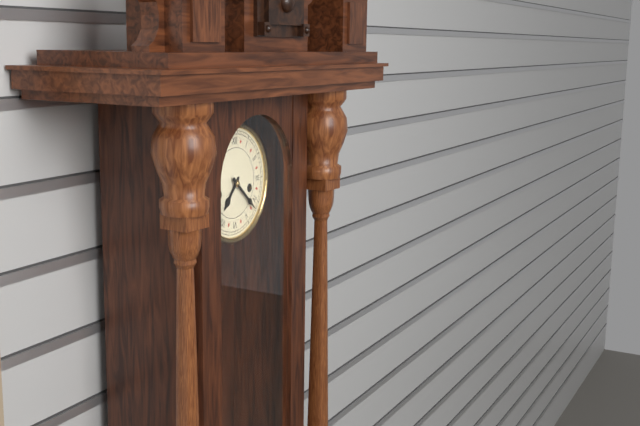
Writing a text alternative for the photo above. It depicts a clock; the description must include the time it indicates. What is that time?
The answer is 7:22
